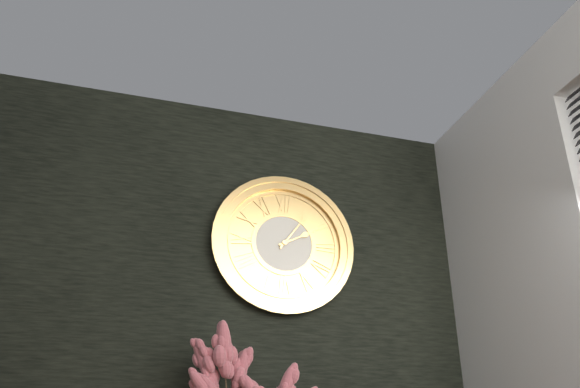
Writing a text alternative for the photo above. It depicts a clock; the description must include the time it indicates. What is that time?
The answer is 2:06
